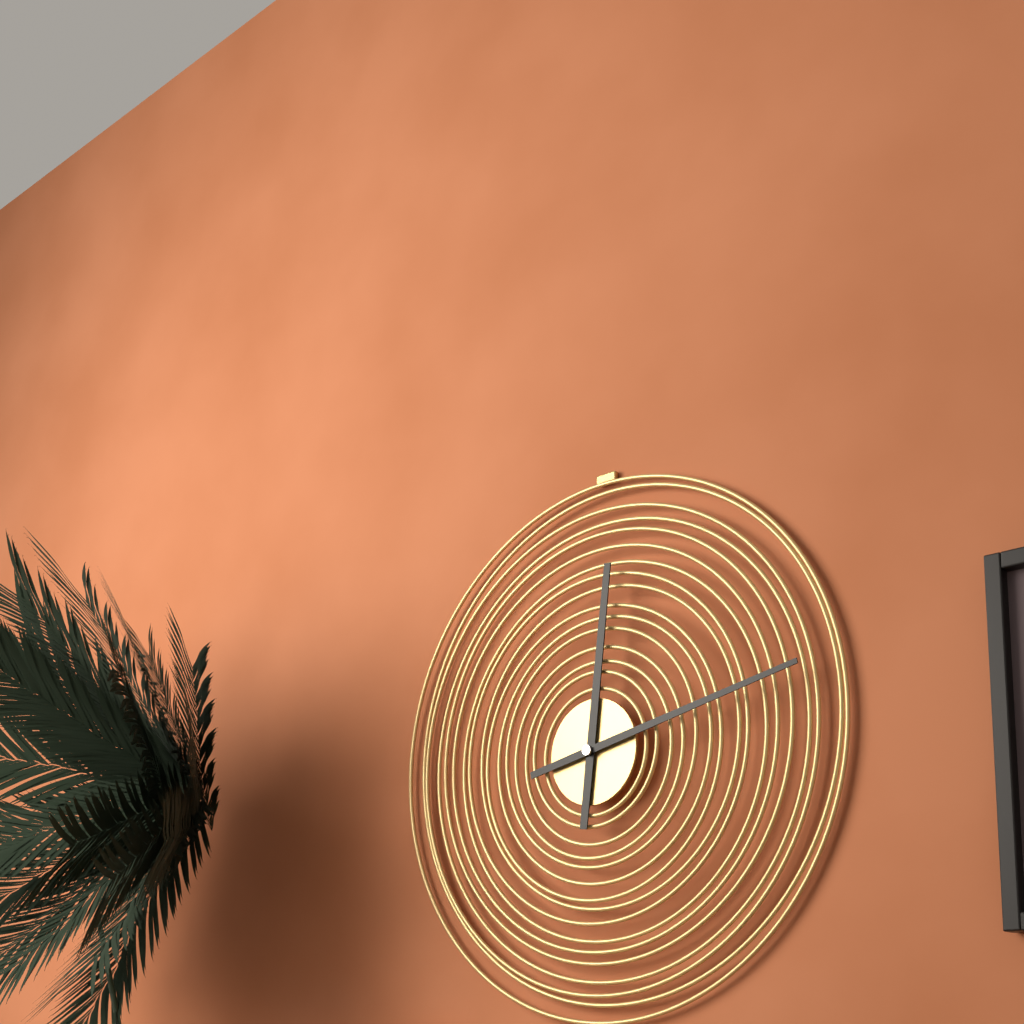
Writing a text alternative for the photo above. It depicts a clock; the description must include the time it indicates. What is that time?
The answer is 12:13
